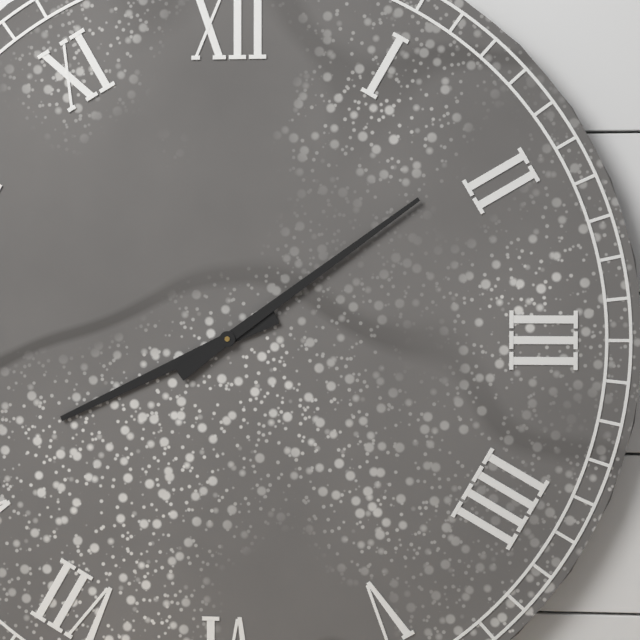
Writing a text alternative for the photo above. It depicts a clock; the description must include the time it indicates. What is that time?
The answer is 8:09
